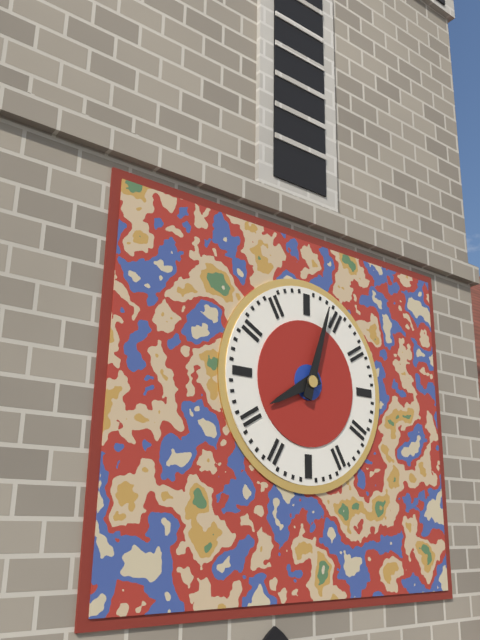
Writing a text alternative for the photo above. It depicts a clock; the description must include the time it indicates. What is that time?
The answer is 8:03
